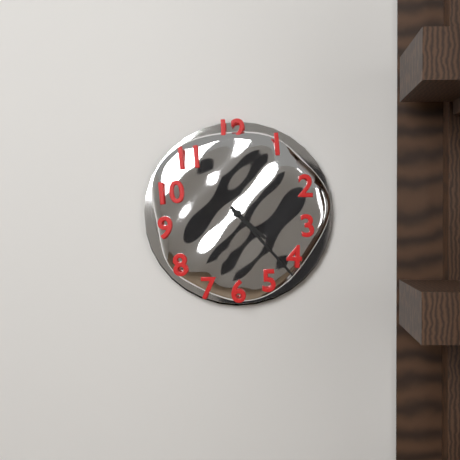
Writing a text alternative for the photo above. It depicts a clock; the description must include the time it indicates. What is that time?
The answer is 4:23
